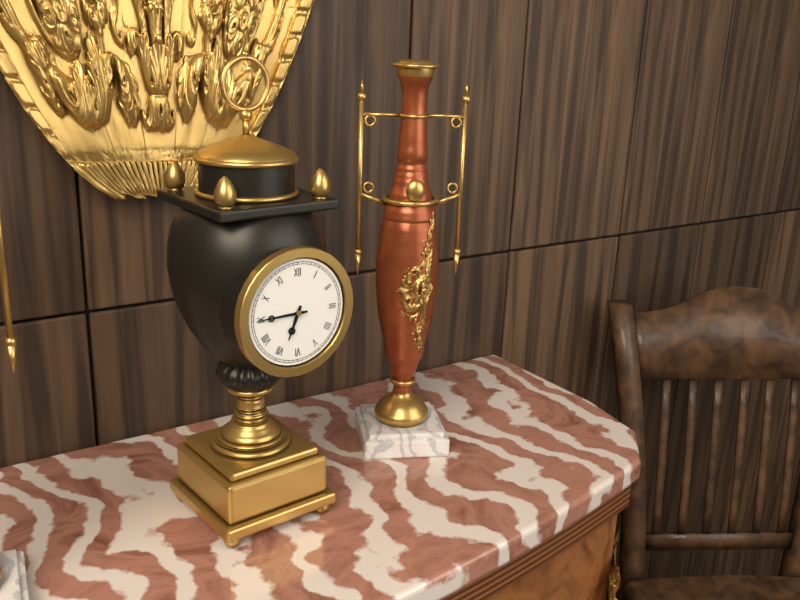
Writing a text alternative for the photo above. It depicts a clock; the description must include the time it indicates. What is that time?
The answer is 6:45
